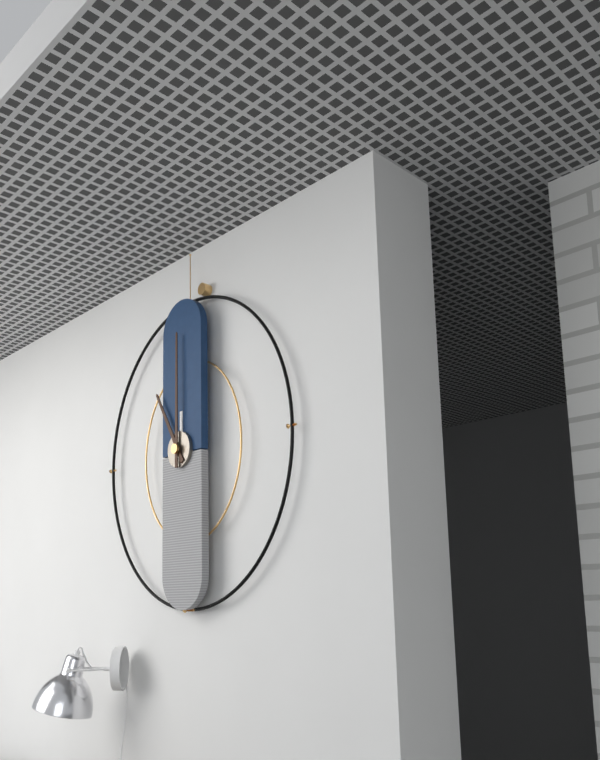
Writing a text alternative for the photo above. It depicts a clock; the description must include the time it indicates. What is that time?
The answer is 11:00
